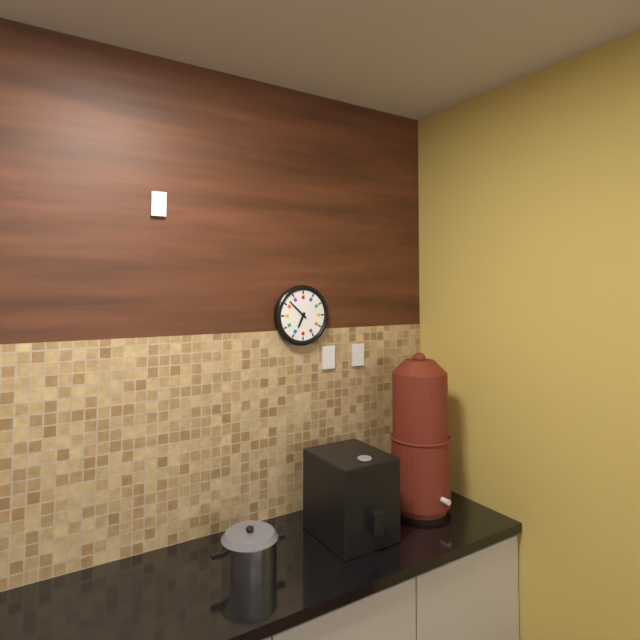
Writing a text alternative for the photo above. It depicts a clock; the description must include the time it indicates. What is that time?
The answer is 6:52
